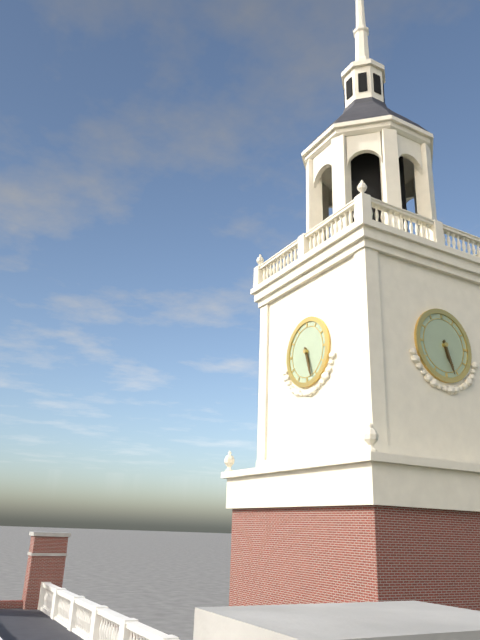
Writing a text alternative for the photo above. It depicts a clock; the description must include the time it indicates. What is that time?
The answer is 5:27
